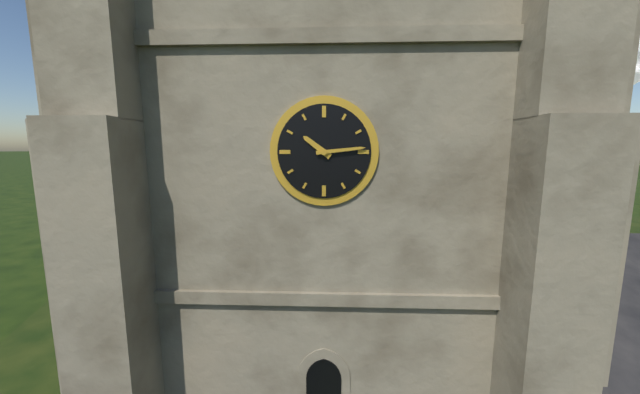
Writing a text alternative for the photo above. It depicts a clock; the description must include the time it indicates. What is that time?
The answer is 10:14
